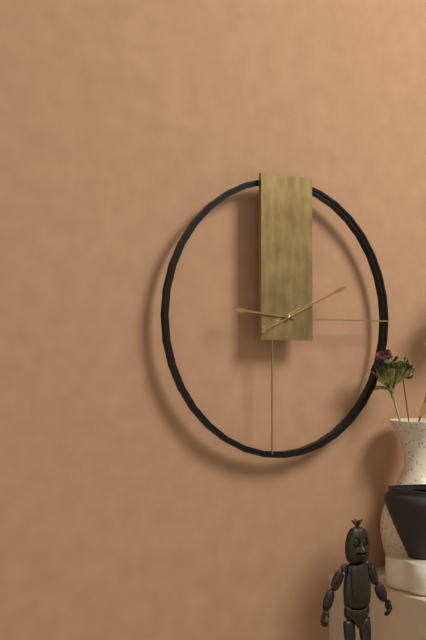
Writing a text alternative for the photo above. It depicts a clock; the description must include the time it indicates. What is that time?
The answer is 9:11
